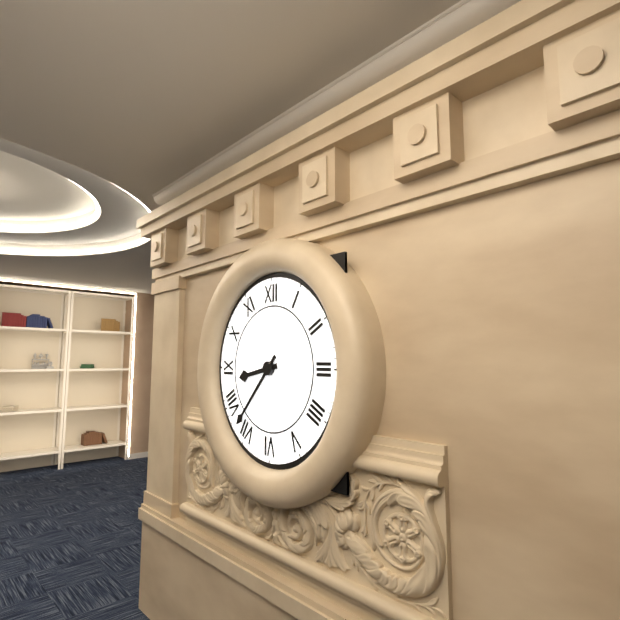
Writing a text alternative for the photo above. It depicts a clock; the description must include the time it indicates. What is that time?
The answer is 8:37
